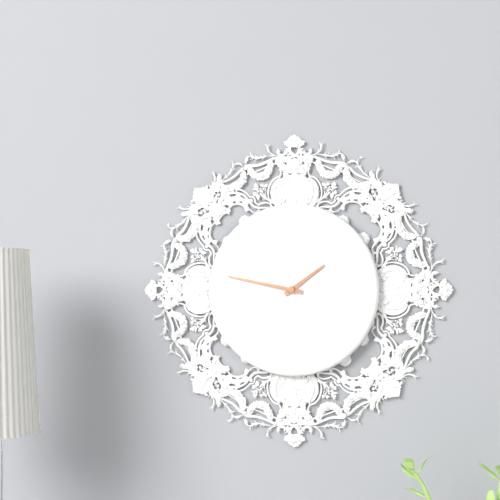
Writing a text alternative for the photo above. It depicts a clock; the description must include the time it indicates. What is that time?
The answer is 1:47
